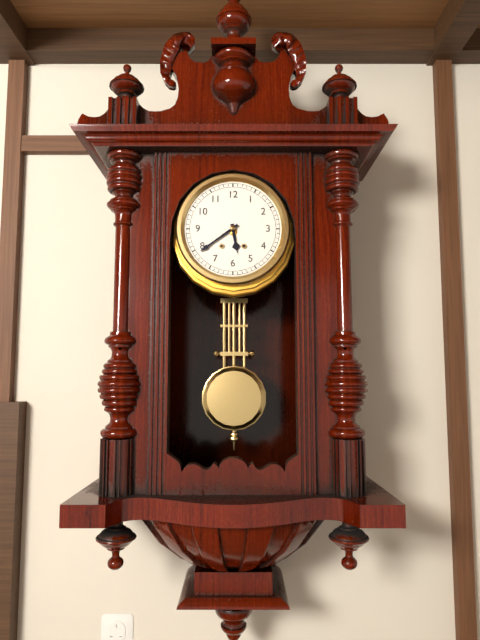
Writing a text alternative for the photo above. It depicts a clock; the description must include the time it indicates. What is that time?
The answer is 5:39
